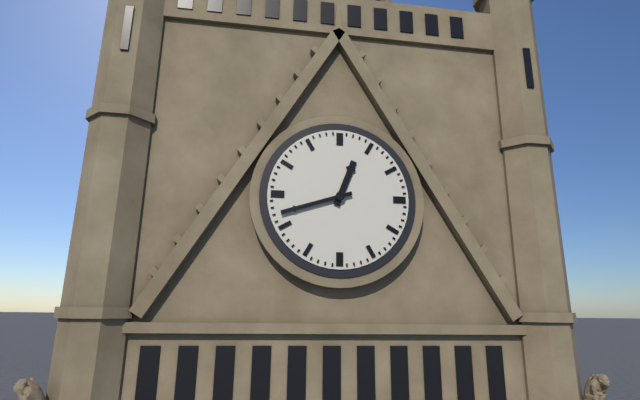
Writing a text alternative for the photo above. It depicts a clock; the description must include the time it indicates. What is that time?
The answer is 12:42
